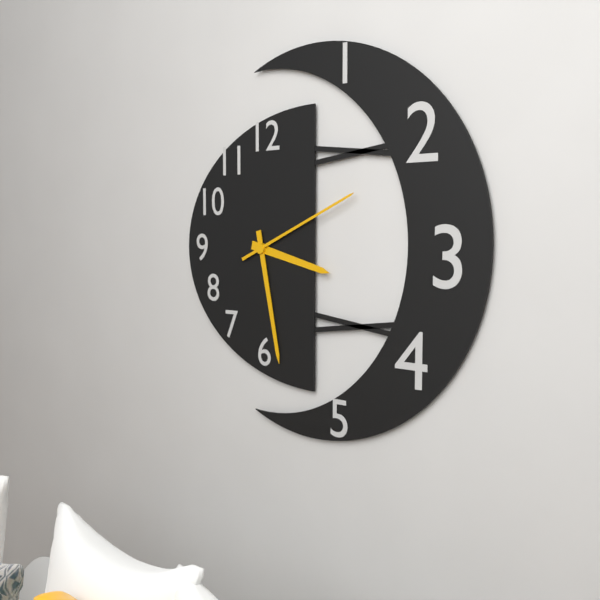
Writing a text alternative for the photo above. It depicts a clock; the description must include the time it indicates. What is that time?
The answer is 3:28:11
